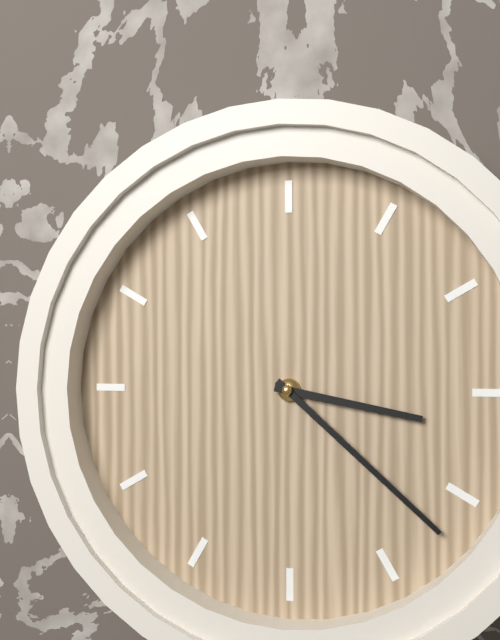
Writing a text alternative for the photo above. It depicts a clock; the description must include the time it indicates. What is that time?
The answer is 3:22
